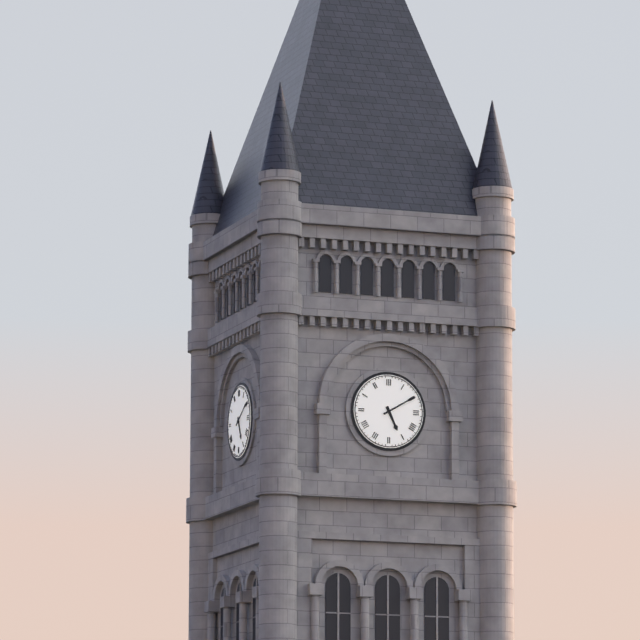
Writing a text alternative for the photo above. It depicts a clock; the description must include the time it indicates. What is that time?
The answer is 5:10
